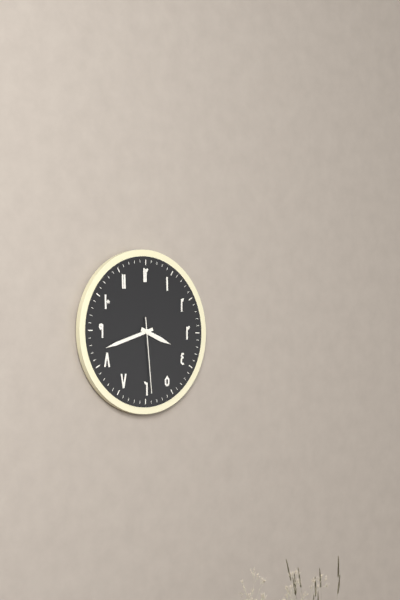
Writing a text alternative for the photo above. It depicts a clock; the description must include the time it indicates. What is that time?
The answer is 3:42:29
